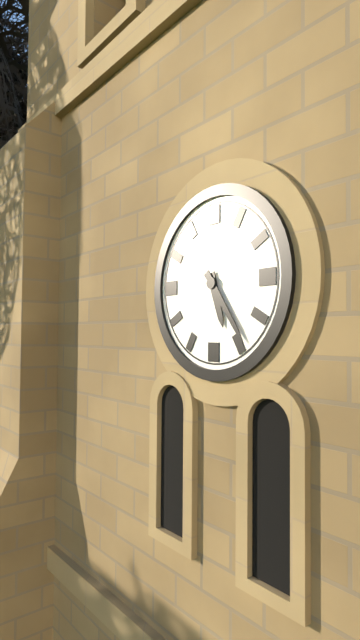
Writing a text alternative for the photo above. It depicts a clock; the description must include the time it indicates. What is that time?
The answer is 5:24
